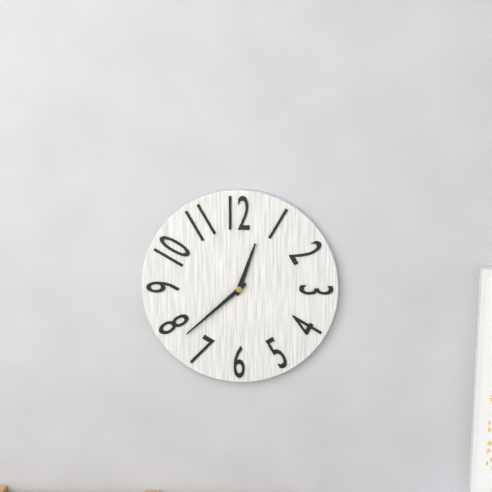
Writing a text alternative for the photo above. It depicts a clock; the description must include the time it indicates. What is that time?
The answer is 12:38
